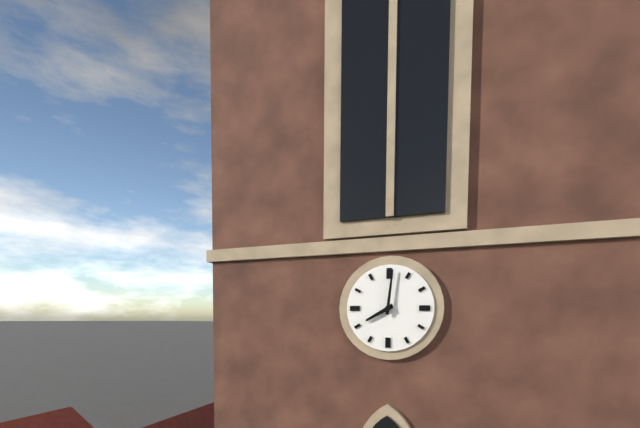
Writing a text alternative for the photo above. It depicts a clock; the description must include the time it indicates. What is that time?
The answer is 8:01
